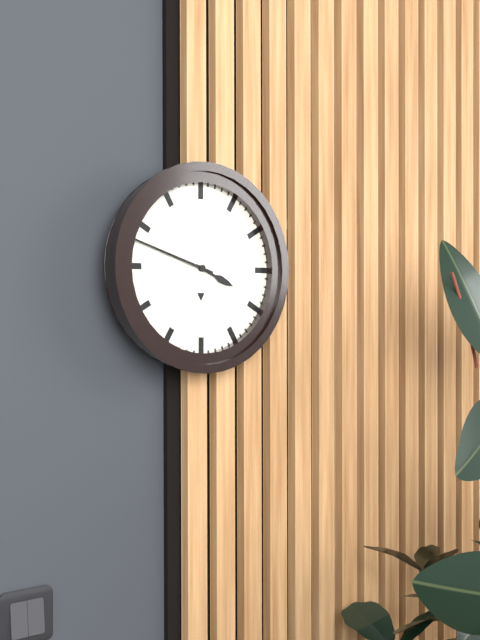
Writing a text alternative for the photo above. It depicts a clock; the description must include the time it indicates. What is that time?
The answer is 3:48
